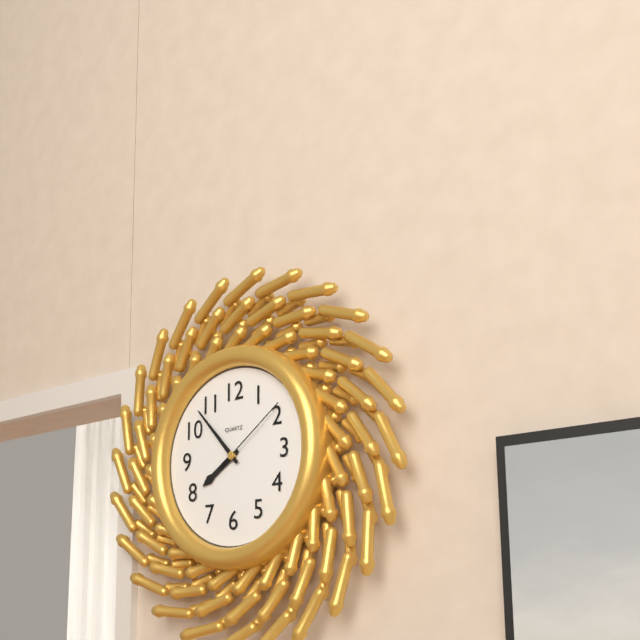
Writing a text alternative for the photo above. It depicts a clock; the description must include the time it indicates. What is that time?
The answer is 7:53:09
